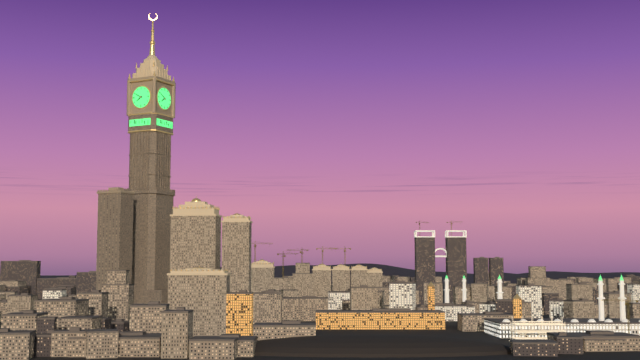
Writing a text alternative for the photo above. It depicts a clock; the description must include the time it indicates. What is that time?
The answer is 7:50
